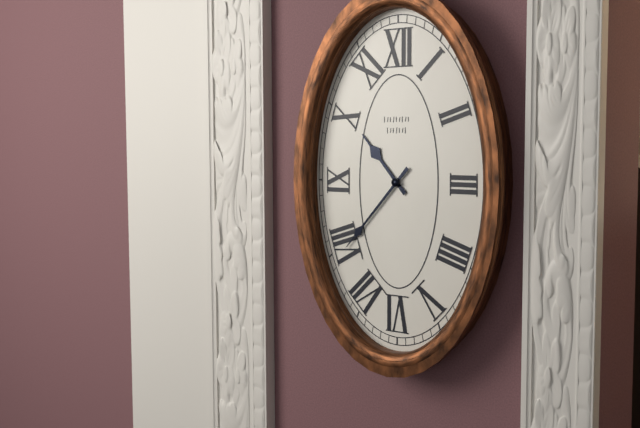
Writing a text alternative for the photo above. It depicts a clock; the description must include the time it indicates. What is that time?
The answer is 10:37
